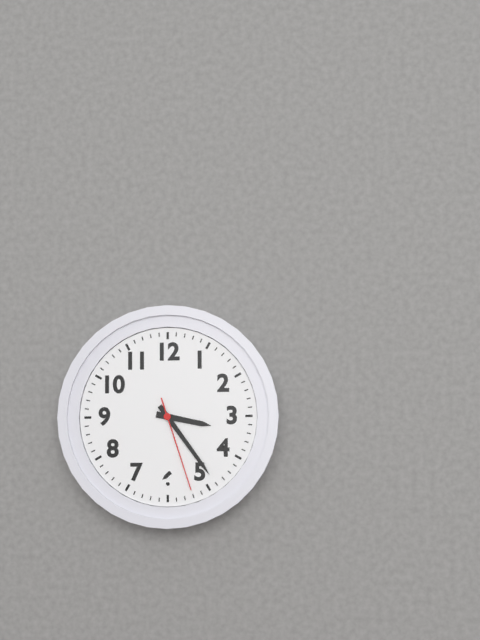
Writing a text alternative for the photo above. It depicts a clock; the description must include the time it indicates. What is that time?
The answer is 3:24:27
